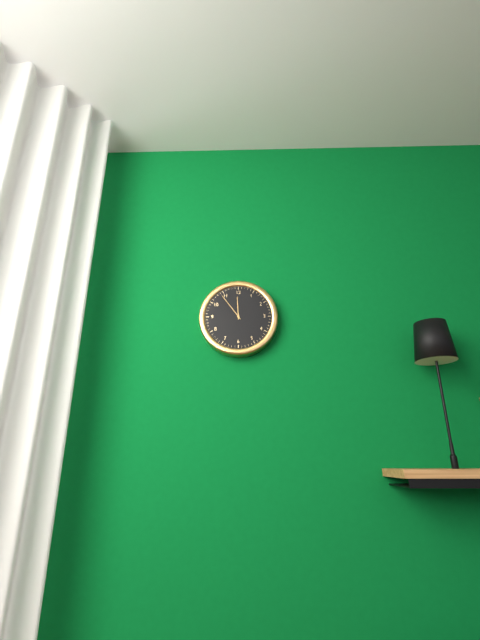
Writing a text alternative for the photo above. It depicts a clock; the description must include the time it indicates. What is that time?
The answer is 11:54
